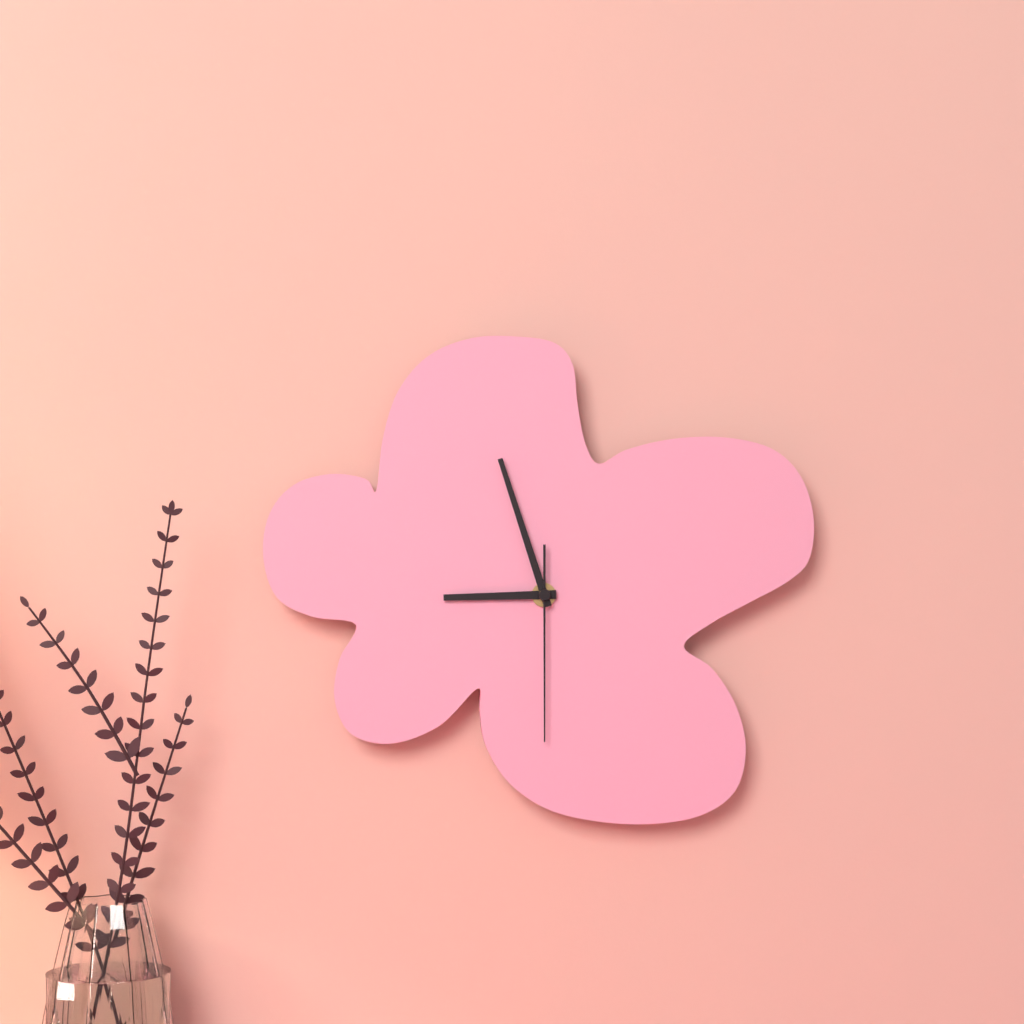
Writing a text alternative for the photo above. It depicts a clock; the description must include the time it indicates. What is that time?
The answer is 8:57:30
